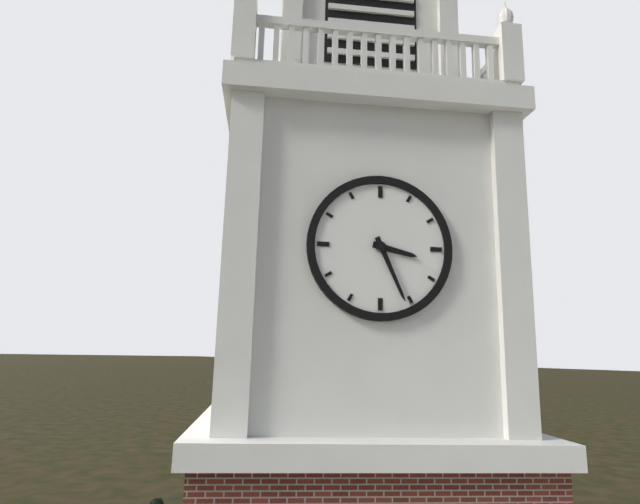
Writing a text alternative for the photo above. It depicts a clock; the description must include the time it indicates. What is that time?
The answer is 3:26
